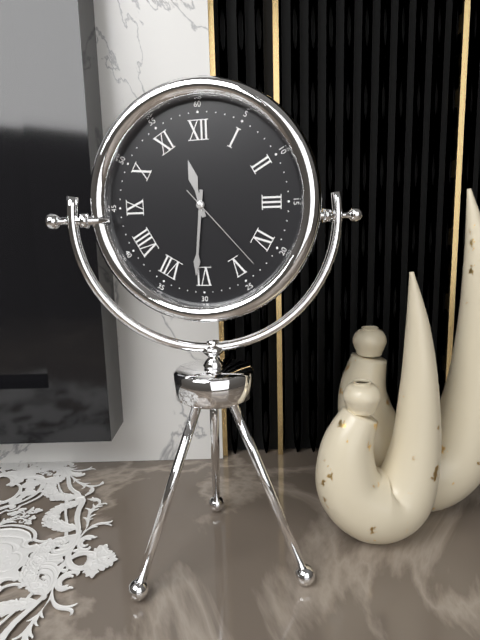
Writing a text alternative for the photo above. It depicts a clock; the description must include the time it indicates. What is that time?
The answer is 11:31:23
